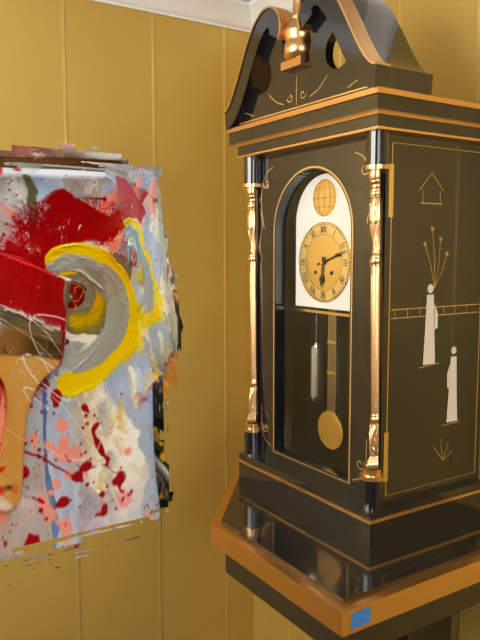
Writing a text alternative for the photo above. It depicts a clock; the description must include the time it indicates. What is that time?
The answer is 6:12
